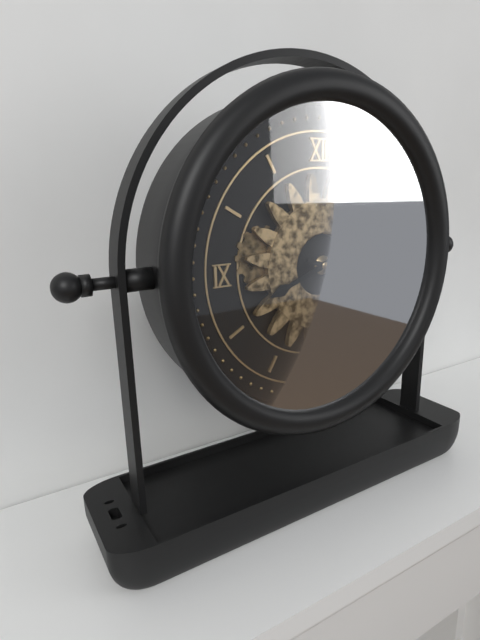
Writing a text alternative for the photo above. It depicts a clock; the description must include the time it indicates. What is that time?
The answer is 8:18
